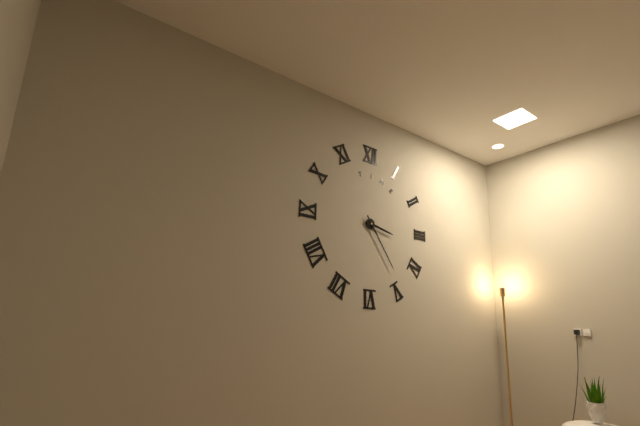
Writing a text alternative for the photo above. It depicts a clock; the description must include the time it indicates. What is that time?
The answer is 3:24
